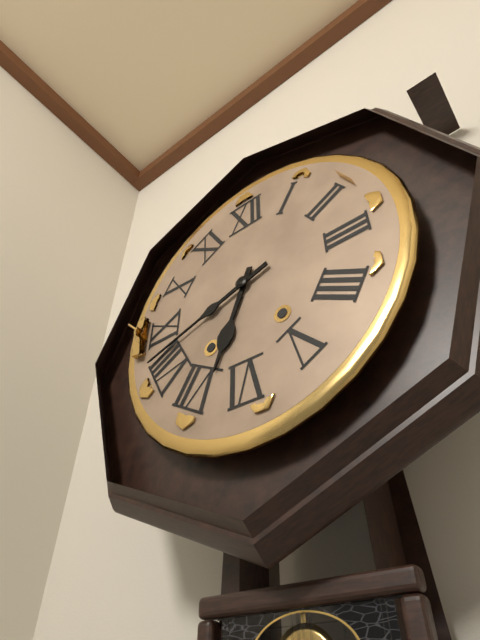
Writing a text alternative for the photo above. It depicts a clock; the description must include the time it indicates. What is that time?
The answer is 6:42
